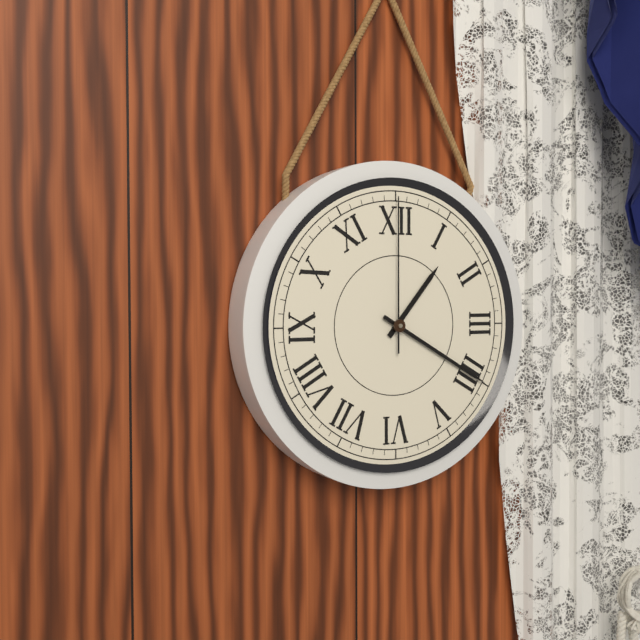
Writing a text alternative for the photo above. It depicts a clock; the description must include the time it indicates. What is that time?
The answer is 1:20:00
